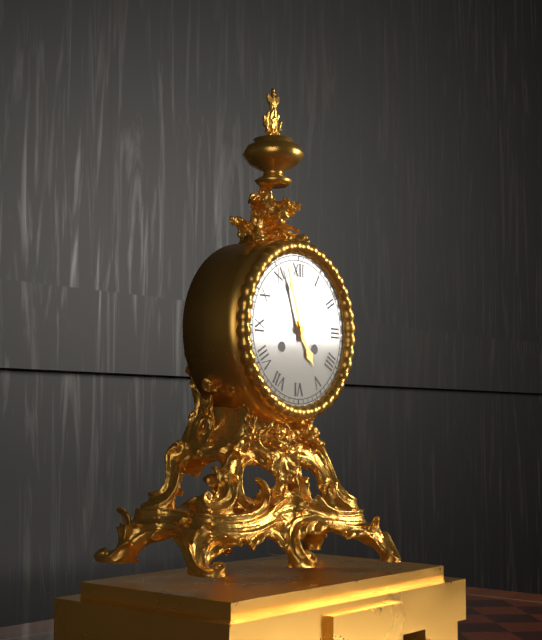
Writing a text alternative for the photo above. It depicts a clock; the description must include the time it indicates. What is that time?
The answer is 4:57
